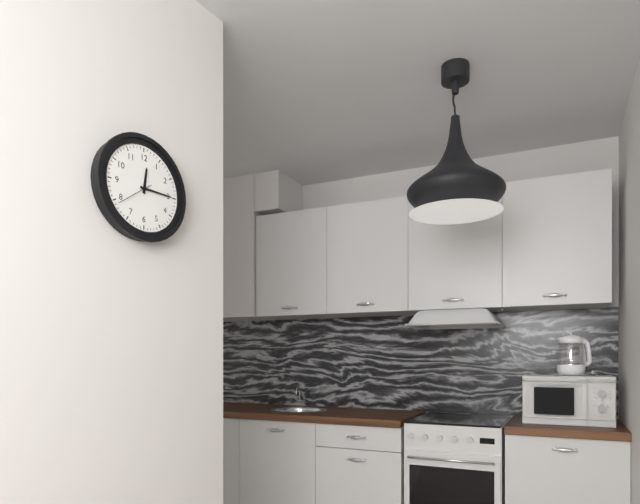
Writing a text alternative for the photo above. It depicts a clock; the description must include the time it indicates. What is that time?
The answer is 12:15
